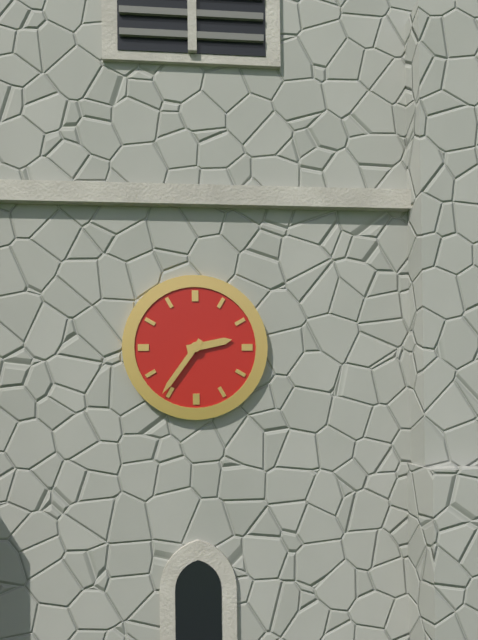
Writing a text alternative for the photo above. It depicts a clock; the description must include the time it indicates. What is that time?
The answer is 2:36
